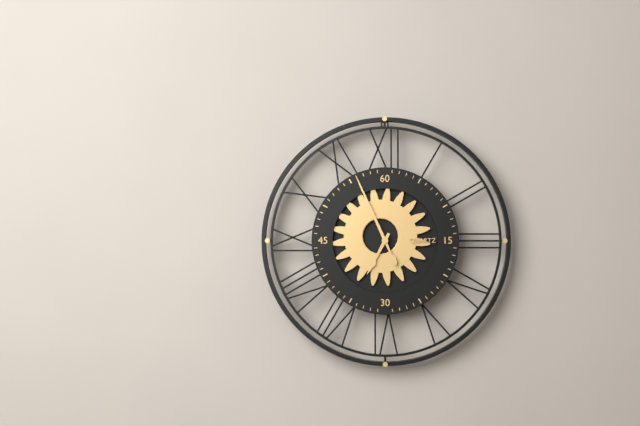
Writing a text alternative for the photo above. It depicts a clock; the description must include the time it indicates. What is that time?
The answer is 6:56
